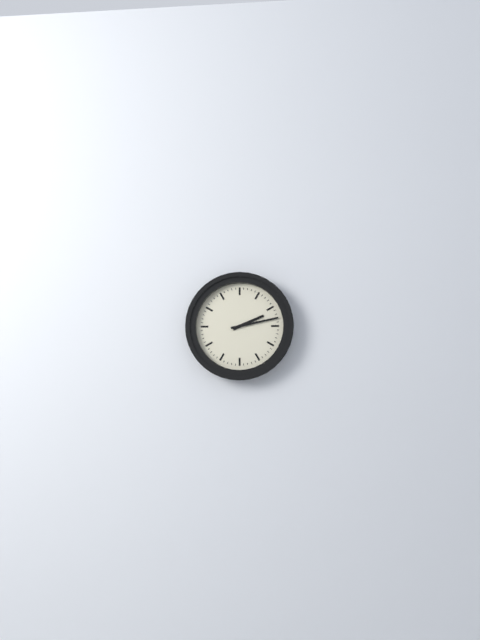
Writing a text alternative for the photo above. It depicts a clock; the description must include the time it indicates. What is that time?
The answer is 2:13
